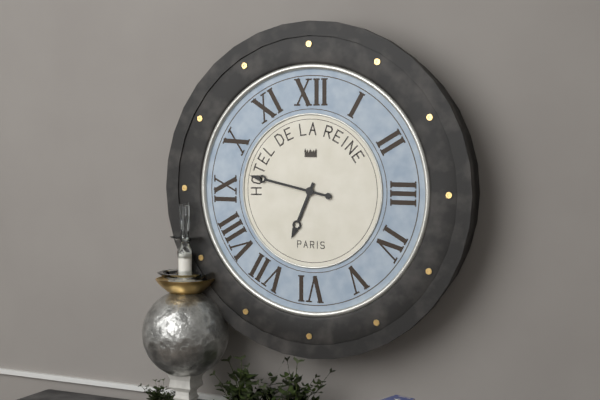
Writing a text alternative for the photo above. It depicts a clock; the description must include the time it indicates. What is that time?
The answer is 6:47
